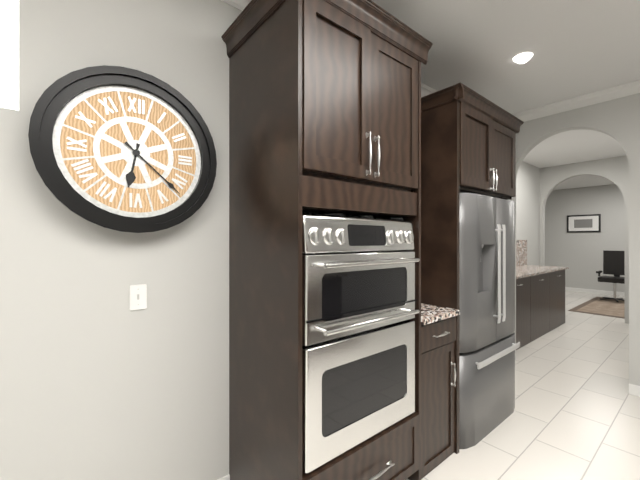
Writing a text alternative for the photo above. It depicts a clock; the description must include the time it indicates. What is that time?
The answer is 6:22
